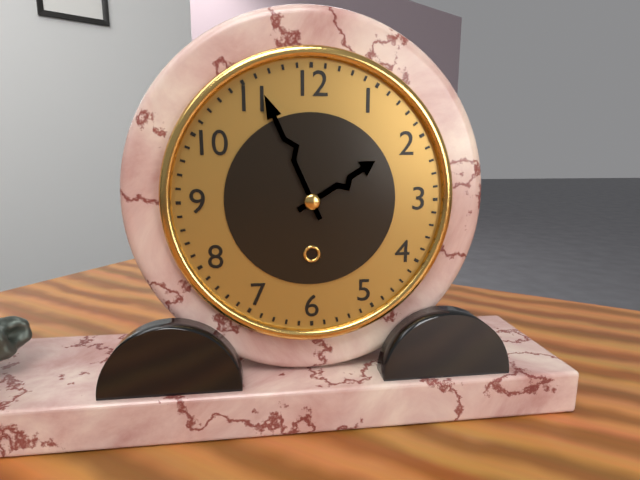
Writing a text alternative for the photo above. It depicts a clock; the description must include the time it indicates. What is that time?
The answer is 1:56
